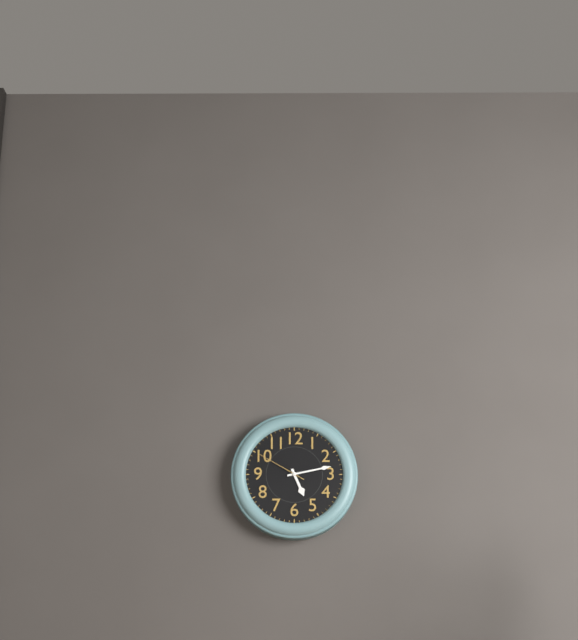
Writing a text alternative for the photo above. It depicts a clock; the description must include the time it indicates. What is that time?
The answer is 5:13:50
